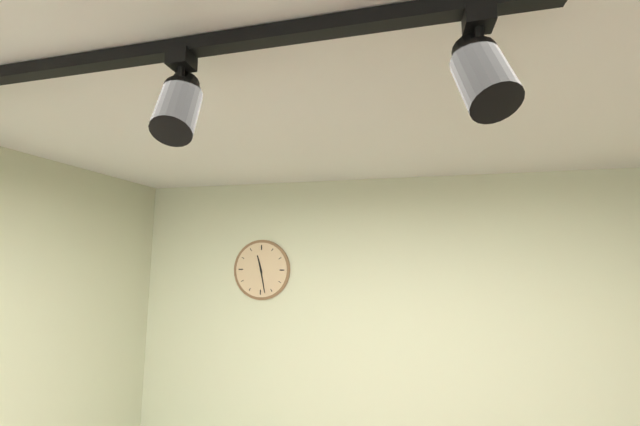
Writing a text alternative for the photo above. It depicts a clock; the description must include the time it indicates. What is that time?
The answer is 11:28
